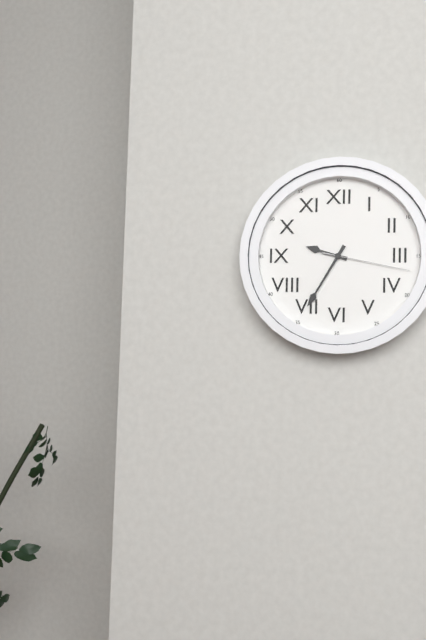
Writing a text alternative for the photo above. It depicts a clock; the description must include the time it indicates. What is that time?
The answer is 9:35:17
